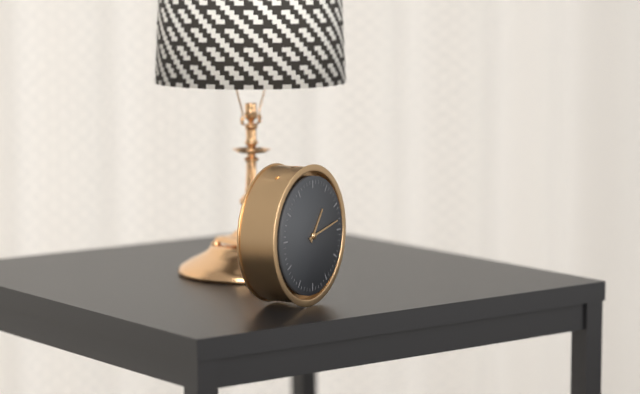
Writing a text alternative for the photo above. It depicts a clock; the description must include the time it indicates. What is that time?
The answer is 1:13
